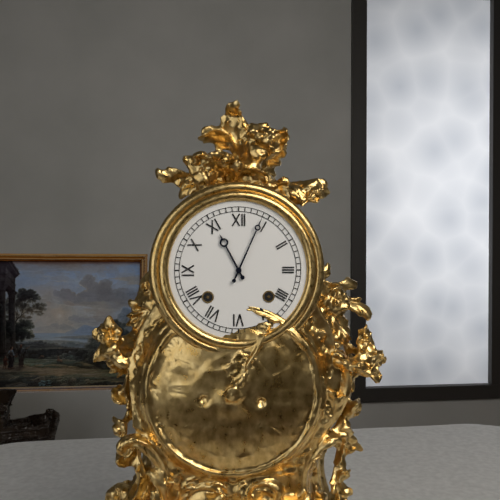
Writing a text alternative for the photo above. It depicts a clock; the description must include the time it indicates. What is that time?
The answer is 11:04
